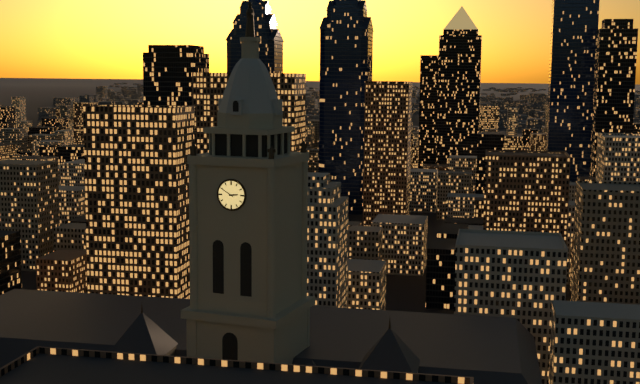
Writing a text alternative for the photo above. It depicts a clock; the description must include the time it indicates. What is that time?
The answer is 2:50
